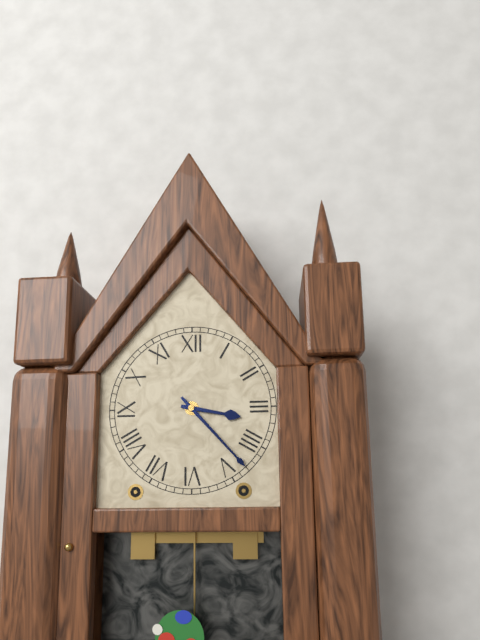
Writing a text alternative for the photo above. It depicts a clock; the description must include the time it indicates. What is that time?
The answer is 3:23
